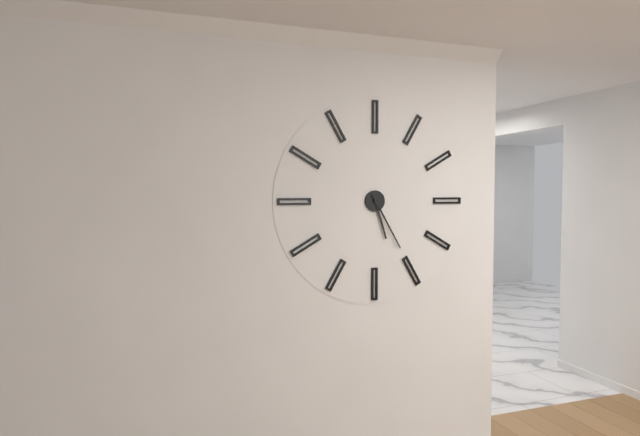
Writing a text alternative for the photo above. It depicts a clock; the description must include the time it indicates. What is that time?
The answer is 5:25
